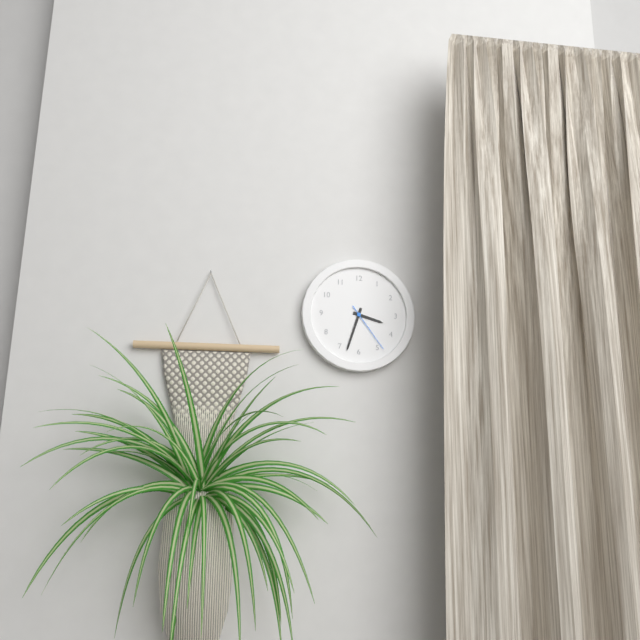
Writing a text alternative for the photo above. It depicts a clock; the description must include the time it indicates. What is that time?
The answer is 3:33:24
